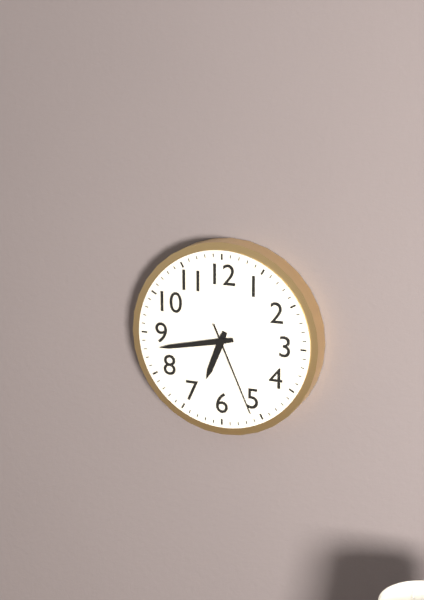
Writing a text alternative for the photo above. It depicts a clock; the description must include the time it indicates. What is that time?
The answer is 6:43:26
